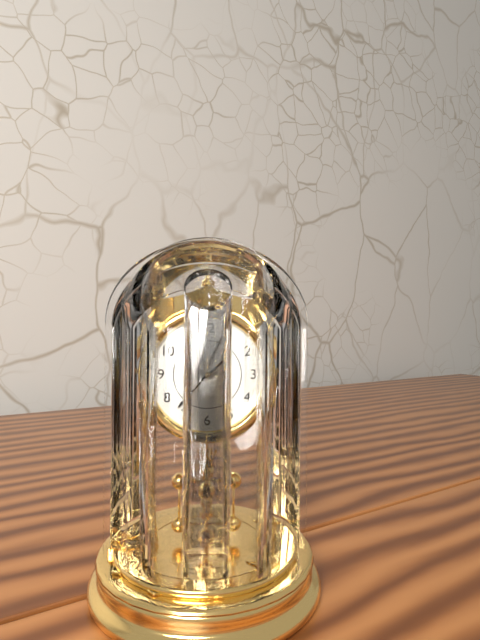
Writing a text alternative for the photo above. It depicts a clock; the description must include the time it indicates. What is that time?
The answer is 1:37
